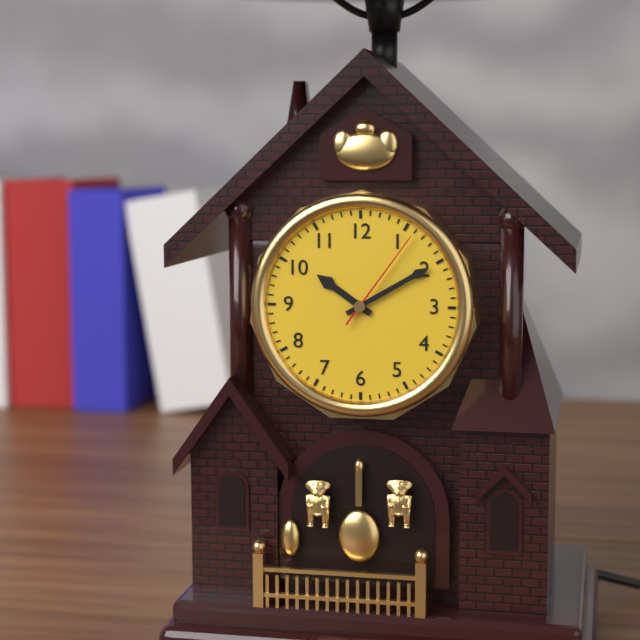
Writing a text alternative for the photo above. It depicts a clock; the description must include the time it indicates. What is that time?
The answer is 10:10:06
